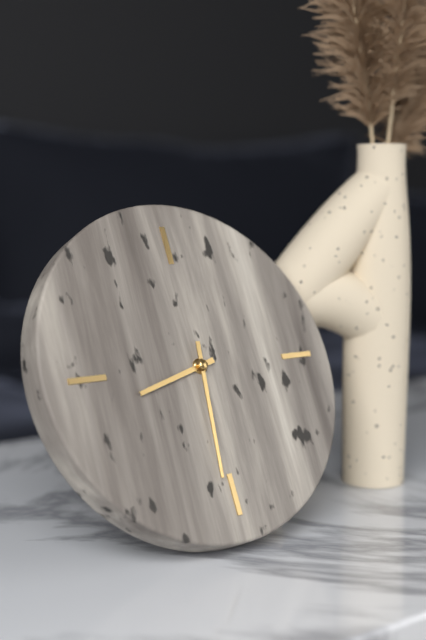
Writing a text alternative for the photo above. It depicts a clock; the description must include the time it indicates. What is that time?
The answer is 8:31
